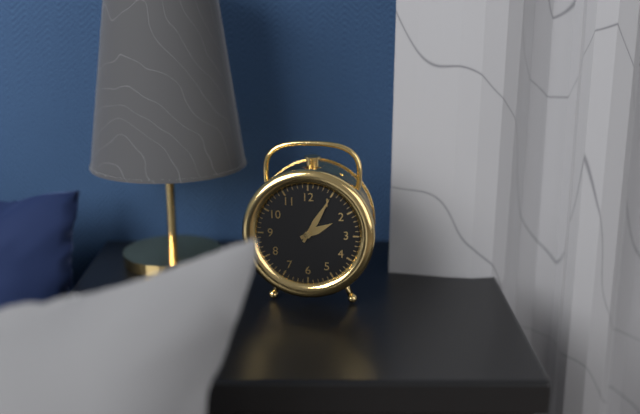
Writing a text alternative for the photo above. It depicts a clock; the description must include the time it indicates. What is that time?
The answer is 2:05
